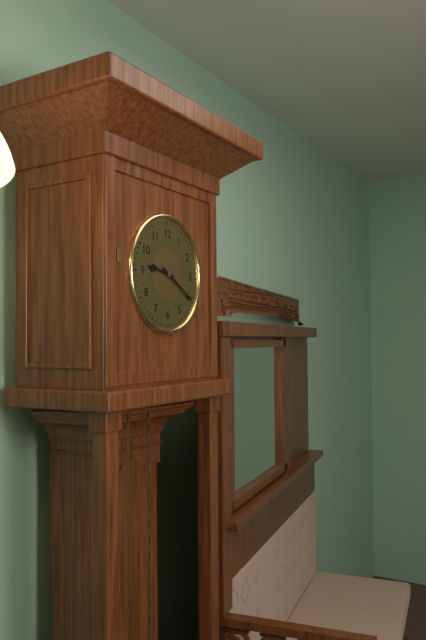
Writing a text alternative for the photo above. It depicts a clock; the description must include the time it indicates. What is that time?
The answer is 9:20
